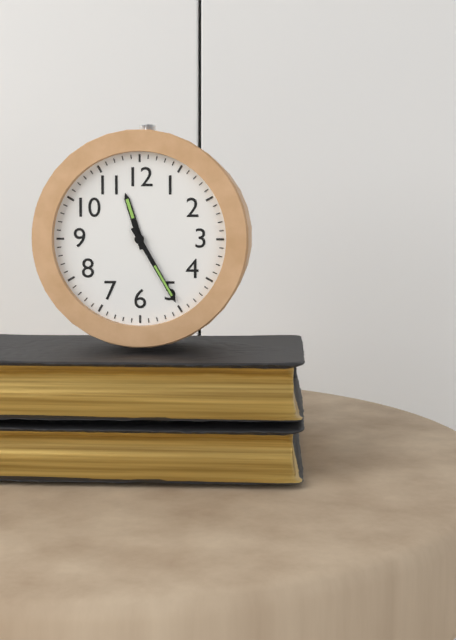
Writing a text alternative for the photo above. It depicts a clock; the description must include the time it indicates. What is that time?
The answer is 11:25
